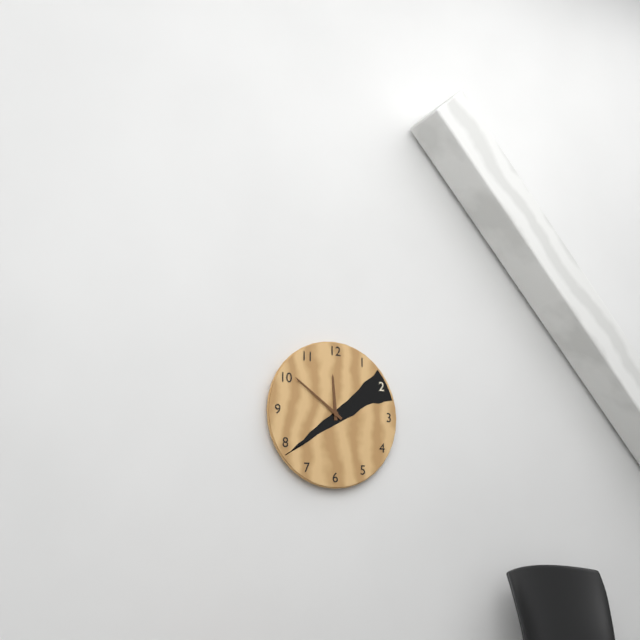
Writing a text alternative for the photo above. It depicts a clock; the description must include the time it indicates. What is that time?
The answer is 11:51
